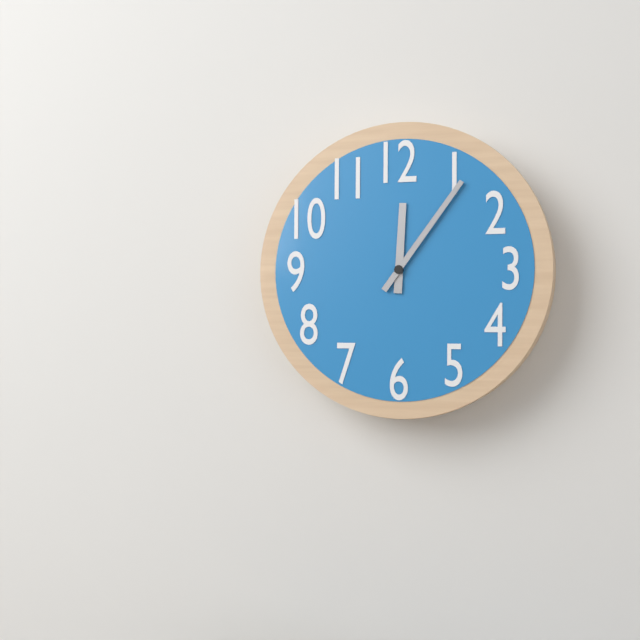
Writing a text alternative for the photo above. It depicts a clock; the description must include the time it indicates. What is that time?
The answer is 12:06
